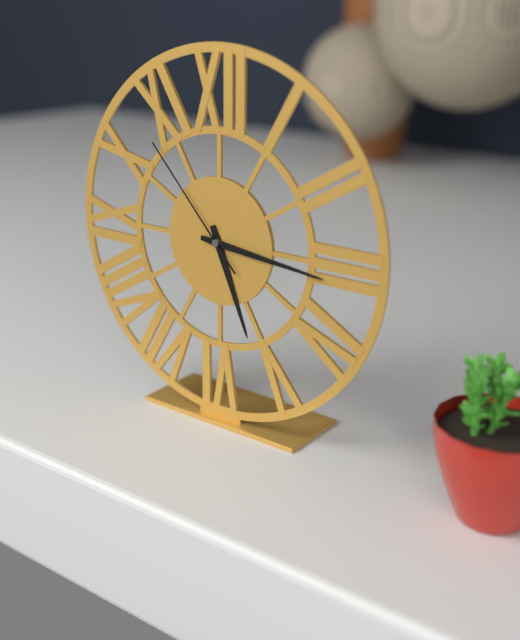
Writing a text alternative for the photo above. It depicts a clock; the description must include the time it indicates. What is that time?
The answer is 5:16:53
